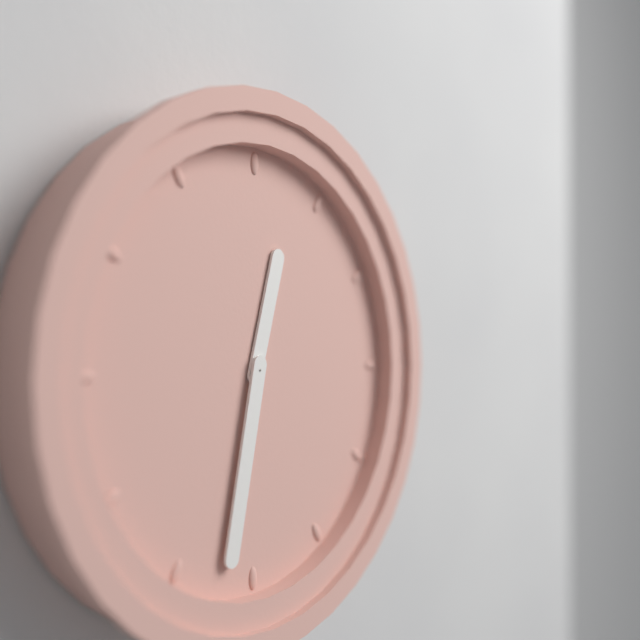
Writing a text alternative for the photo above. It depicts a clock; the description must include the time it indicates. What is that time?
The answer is 12:32
